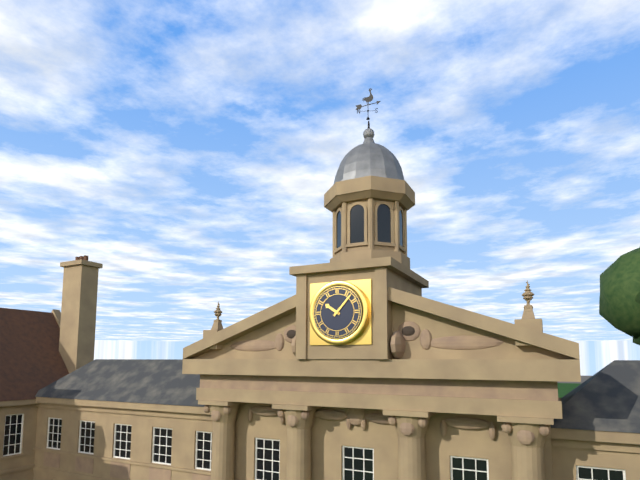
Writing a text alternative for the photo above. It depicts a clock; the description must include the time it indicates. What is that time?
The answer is 10:07
